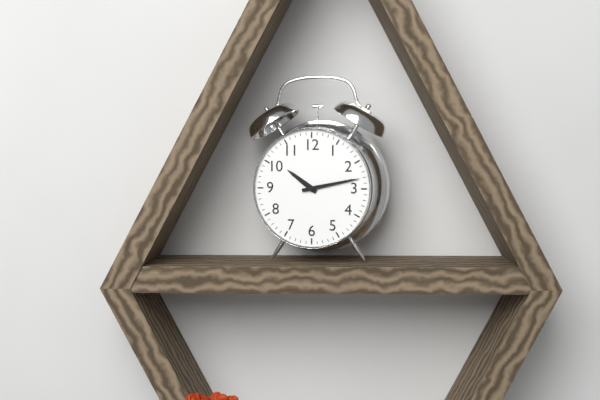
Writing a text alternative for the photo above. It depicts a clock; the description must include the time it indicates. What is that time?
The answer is 10:13
